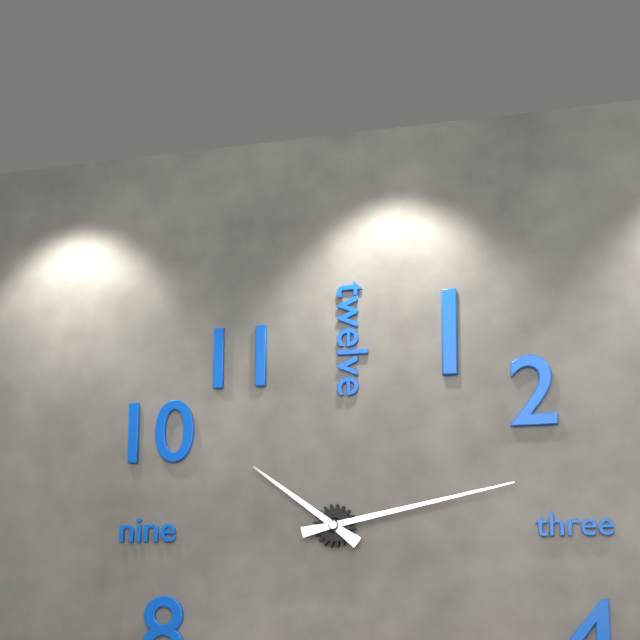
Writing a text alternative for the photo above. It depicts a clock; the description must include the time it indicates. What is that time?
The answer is 10:13
